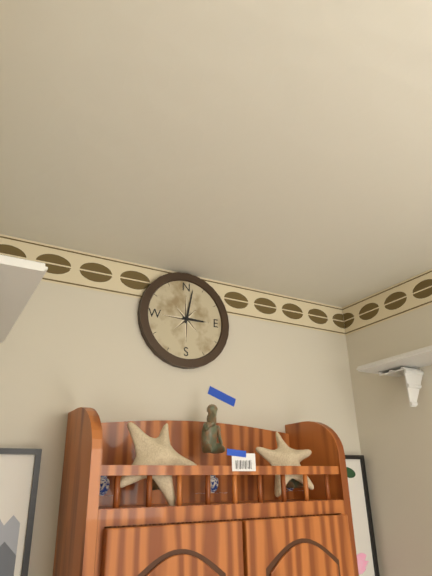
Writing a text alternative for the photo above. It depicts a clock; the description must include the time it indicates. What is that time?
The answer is 3:02
